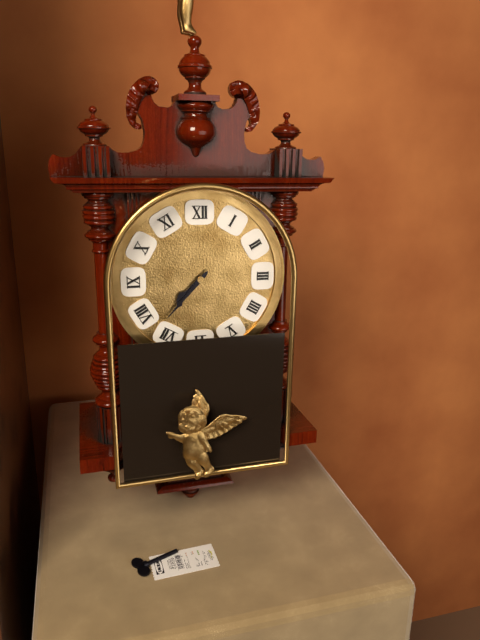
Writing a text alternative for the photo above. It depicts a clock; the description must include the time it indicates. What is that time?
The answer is 7:37
